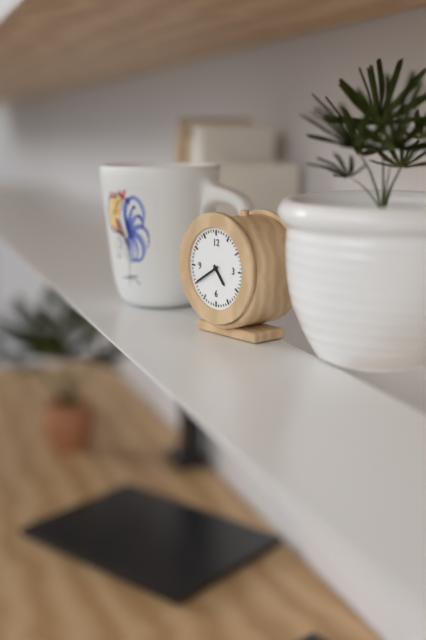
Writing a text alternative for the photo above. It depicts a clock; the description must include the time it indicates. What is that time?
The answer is 4:40
